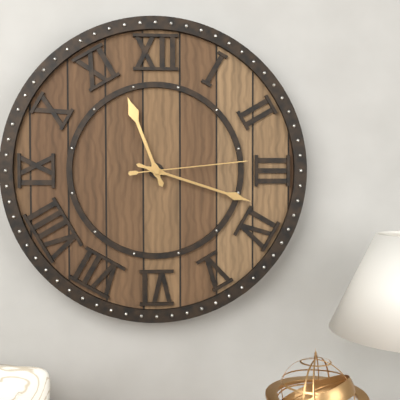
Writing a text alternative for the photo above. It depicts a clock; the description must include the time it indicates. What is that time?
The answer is 11:18:14
